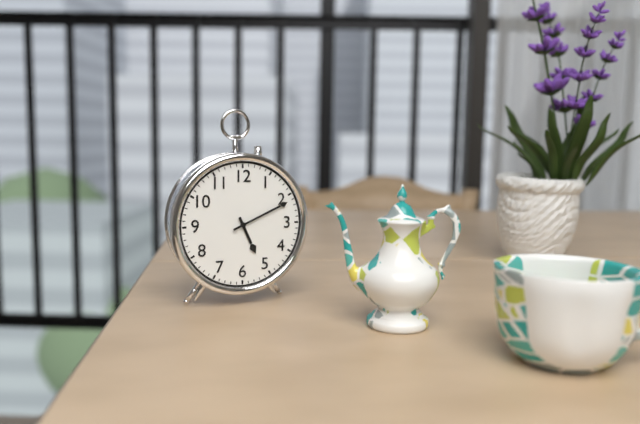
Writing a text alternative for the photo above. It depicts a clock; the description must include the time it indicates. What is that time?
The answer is 5:11
